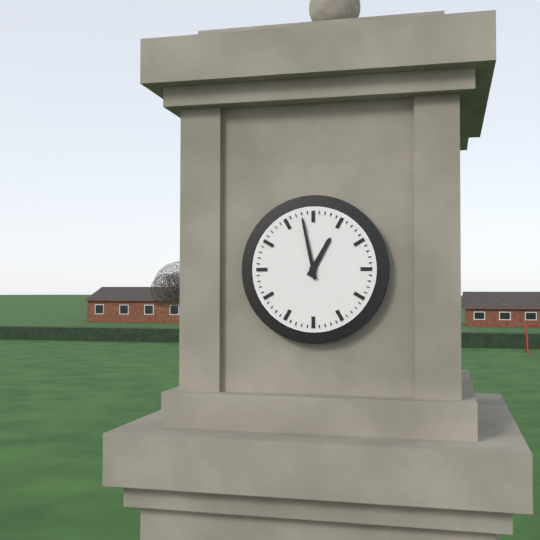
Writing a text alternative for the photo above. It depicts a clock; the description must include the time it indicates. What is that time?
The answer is 12:58
